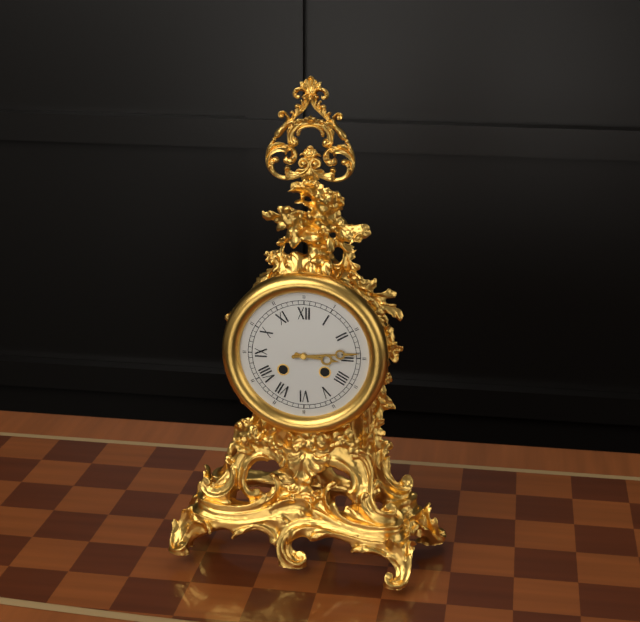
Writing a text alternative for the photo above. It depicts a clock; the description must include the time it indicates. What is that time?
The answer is 3:14
